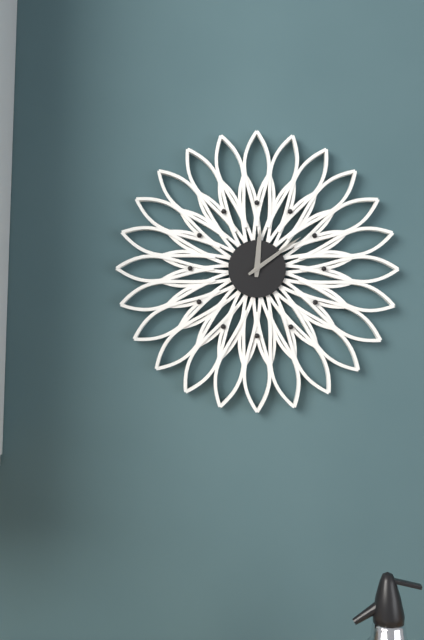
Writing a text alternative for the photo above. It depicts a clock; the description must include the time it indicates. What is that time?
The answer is 12:09
